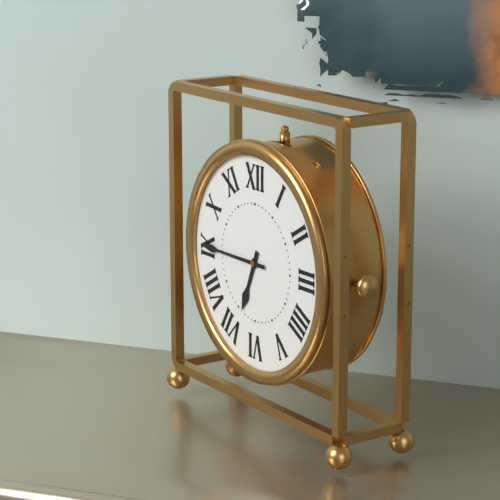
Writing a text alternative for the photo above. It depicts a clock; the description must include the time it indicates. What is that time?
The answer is 6:45
